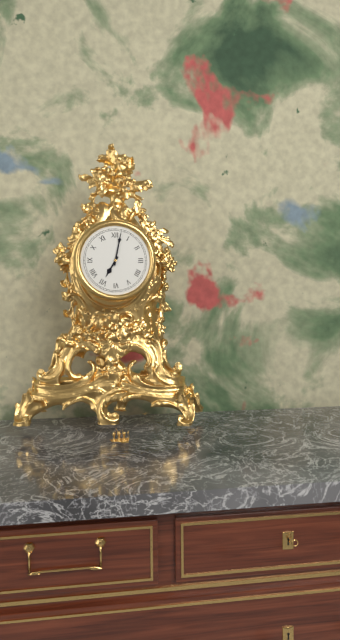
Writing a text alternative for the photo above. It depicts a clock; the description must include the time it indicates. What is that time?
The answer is 7:02
